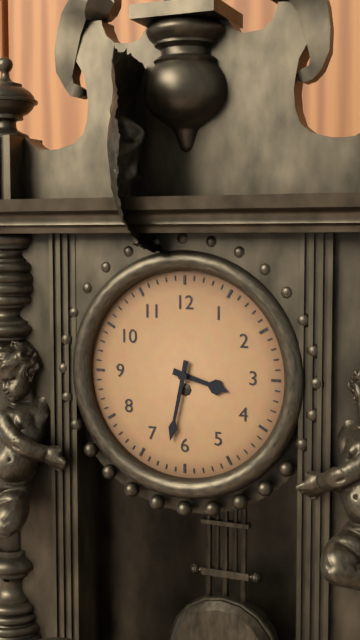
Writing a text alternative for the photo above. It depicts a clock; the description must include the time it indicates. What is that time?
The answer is 3:32
